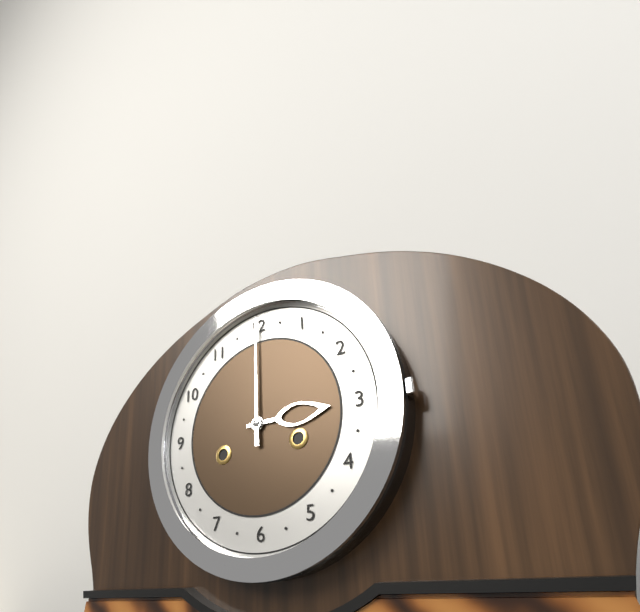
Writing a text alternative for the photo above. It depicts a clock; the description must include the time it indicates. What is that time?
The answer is 3:00
